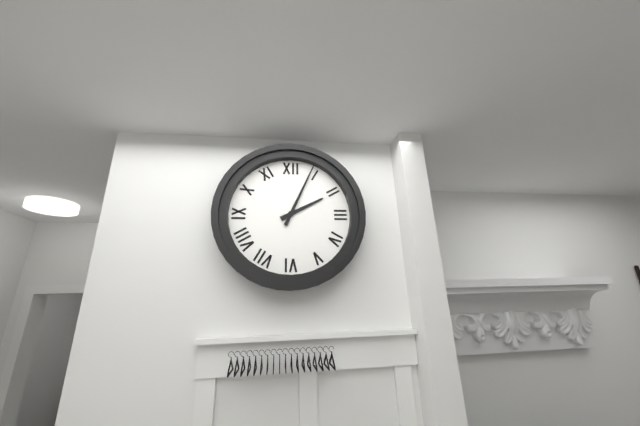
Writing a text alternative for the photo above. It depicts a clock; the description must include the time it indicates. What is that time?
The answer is 2:04
